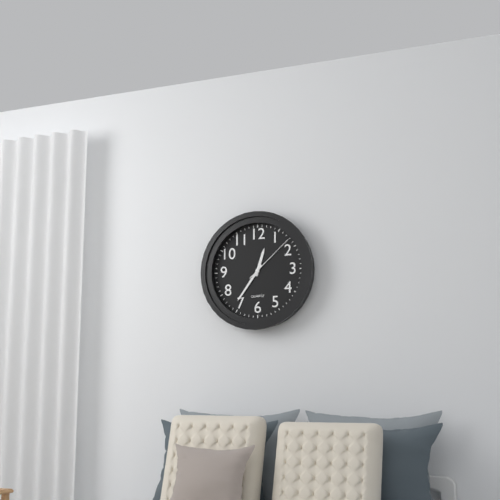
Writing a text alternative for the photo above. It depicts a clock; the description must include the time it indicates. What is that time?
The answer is 12:36:08
